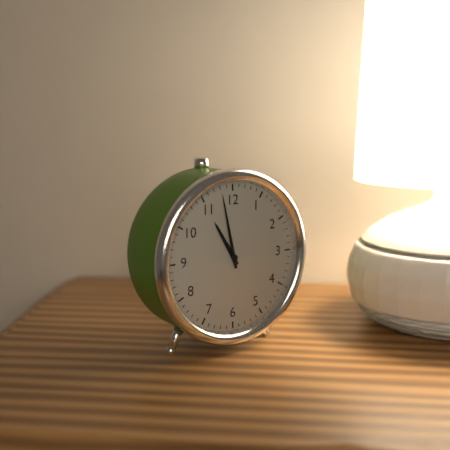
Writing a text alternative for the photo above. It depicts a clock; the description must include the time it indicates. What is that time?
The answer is 10:58
